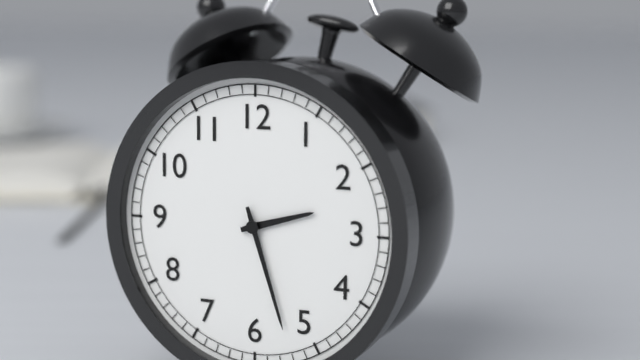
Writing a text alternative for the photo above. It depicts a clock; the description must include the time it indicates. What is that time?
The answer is 2:27
